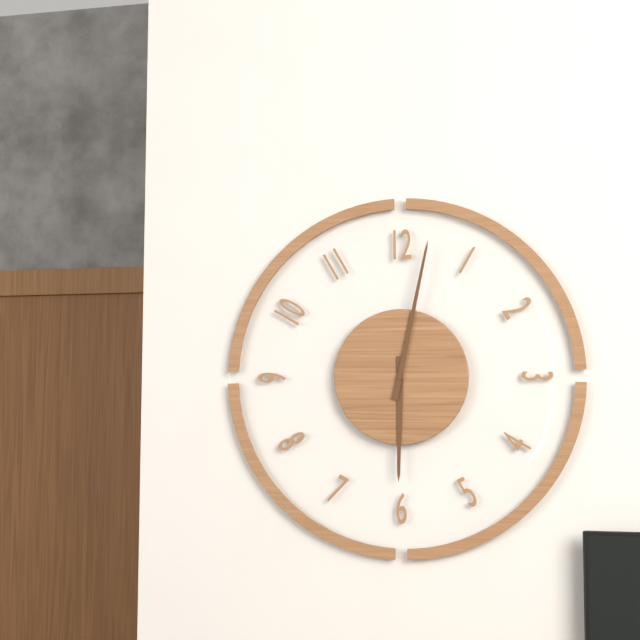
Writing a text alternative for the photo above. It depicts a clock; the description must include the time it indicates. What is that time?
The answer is 6:02
